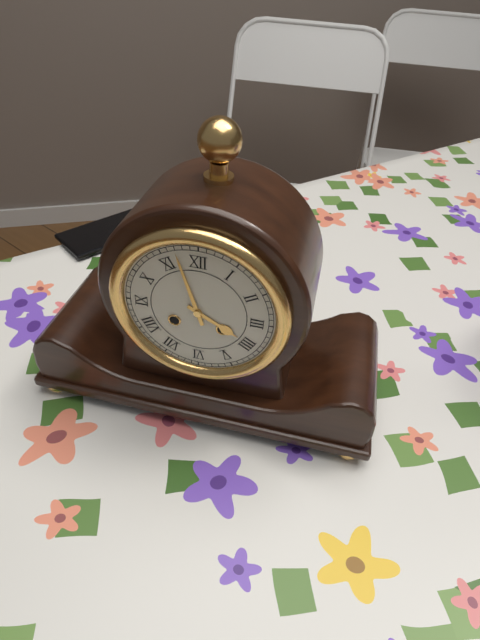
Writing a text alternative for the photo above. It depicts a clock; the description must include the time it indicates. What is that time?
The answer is 3:57
